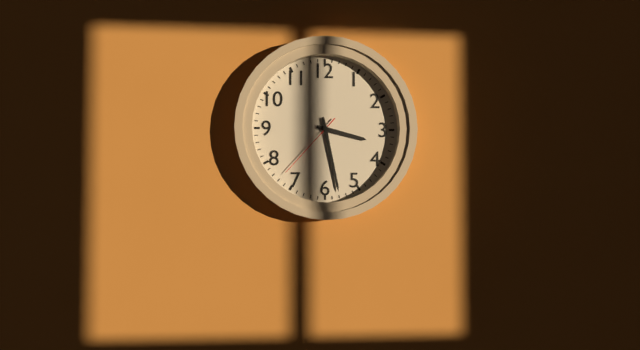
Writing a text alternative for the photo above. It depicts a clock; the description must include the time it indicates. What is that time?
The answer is 3:28:37
